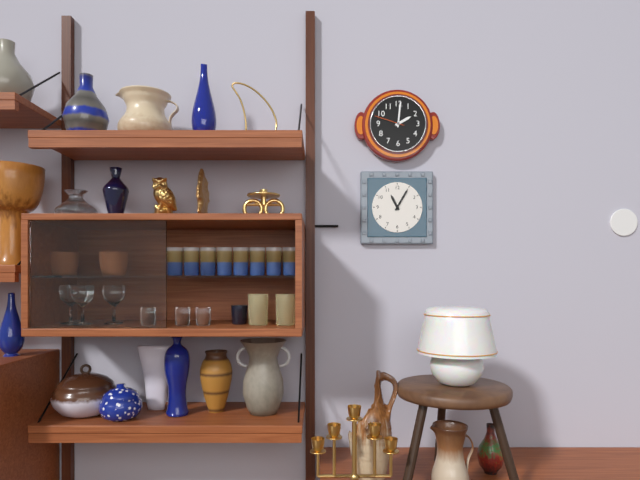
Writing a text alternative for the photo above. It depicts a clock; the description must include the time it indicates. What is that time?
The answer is 2:01
